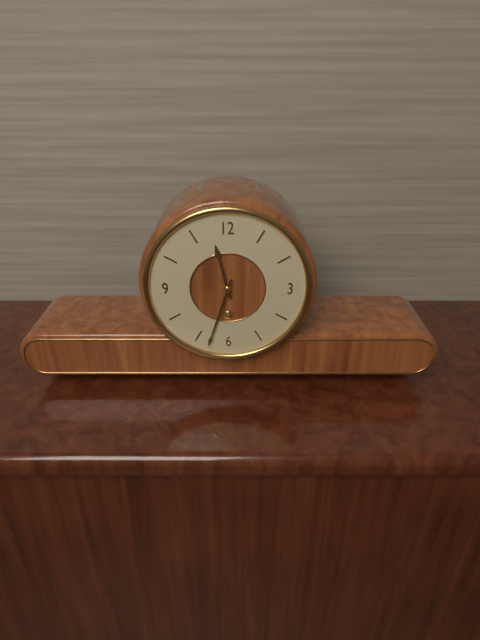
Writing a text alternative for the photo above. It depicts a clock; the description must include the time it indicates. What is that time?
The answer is 11:33
